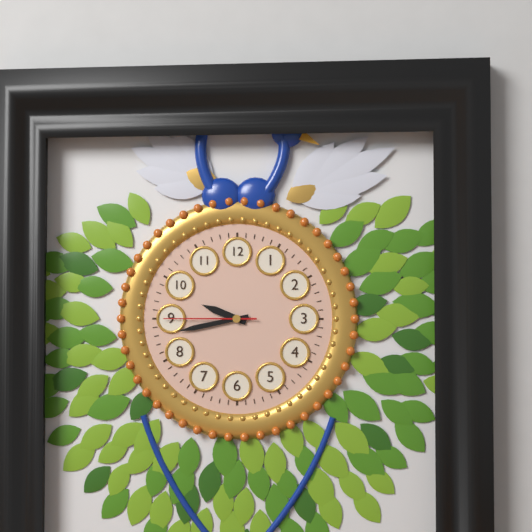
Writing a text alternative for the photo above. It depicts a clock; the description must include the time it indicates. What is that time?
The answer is 9:43:45
